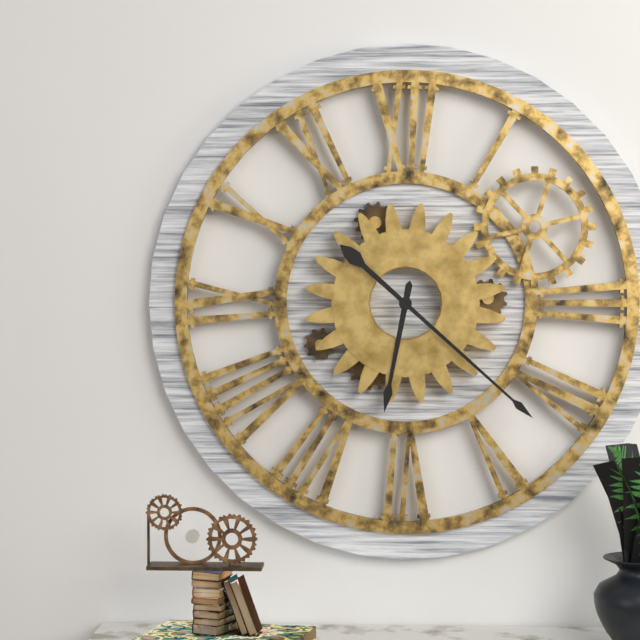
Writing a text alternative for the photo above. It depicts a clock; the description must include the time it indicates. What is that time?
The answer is 6:22
